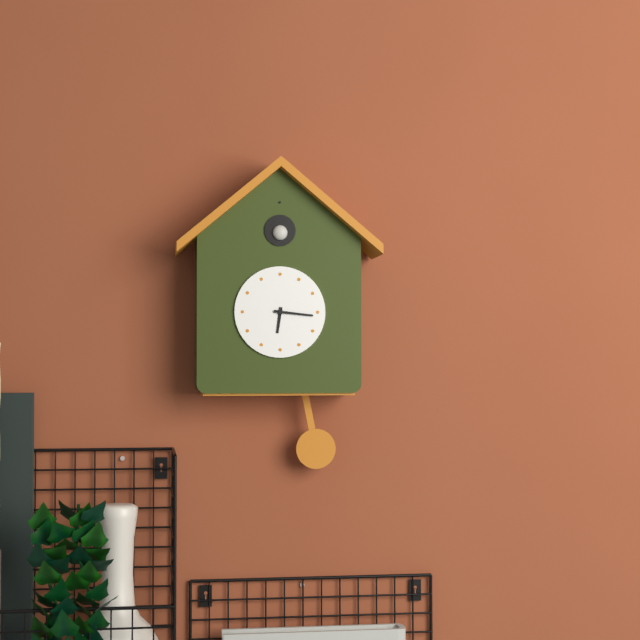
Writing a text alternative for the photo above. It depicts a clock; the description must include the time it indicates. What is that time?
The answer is 6:16
